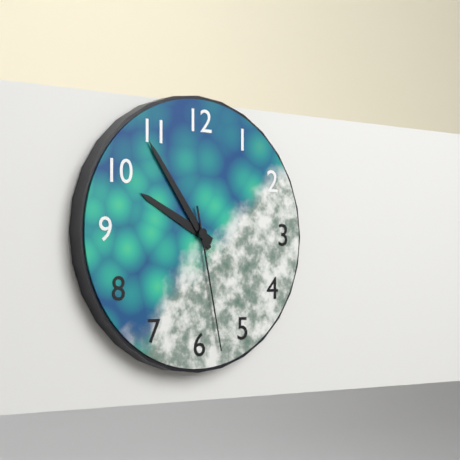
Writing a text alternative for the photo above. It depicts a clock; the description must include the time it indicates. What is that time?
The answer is 9:54:28
